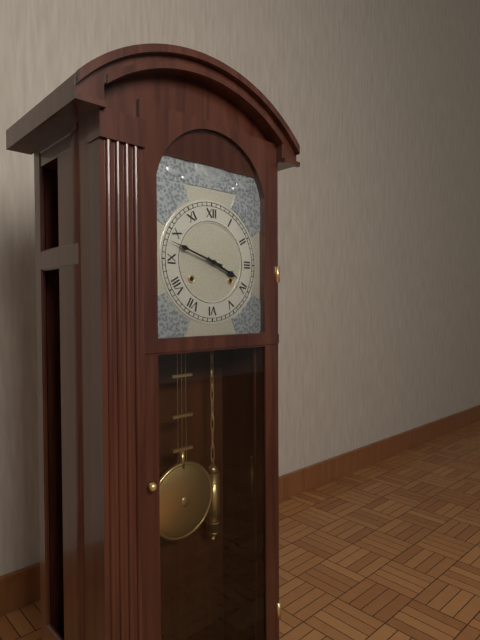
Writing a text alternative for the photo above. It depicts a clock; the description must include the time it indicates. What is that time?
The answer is 3:48
